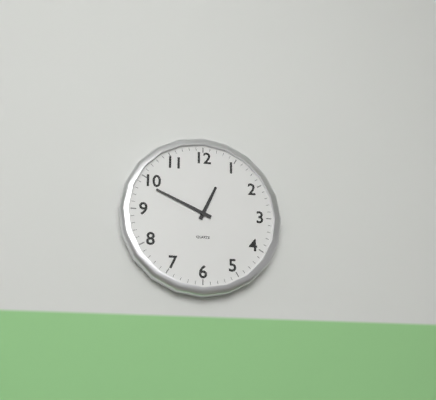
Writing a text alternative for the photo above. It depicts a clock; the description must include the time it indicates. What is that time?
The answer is 12:49
